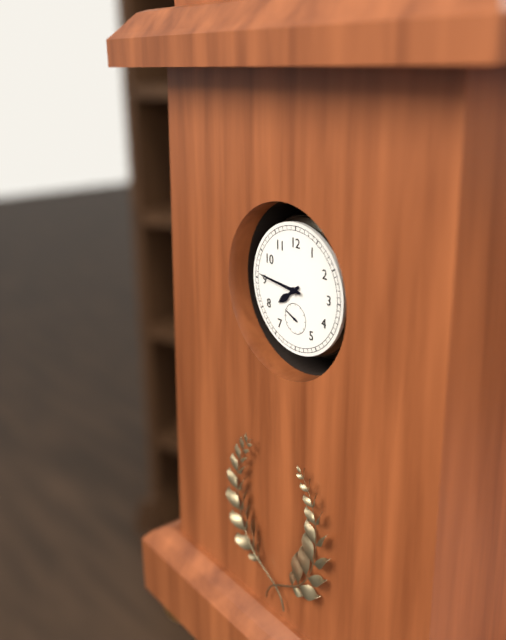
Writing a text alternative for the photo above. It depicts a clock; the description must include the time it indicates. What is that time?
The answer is 7:46
